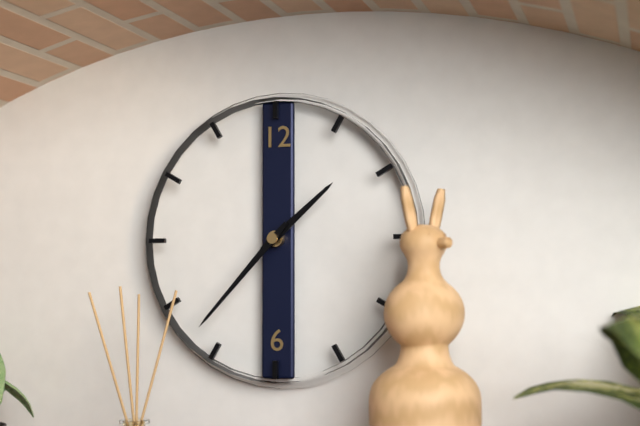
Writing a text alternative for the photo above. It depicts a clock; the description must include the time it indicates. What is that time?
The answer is 1:37
